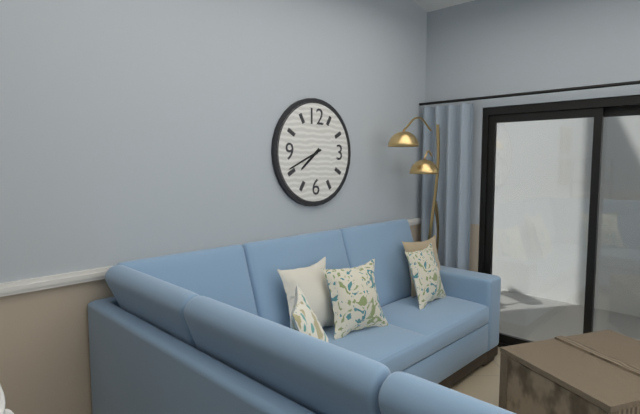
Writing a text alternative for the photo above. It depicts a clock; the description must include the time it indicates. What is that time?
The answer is 7:41
